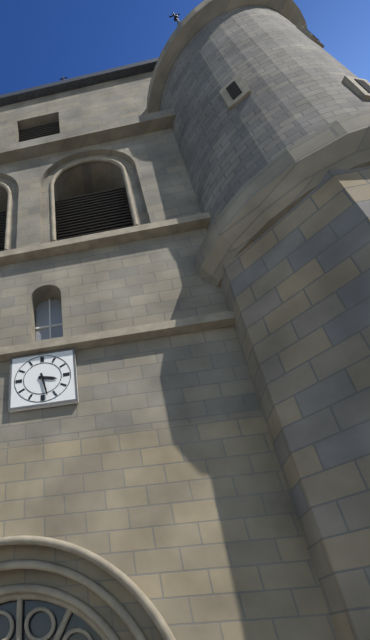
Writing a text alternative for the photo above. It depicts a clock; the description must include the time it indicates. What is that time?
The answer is 3:28
